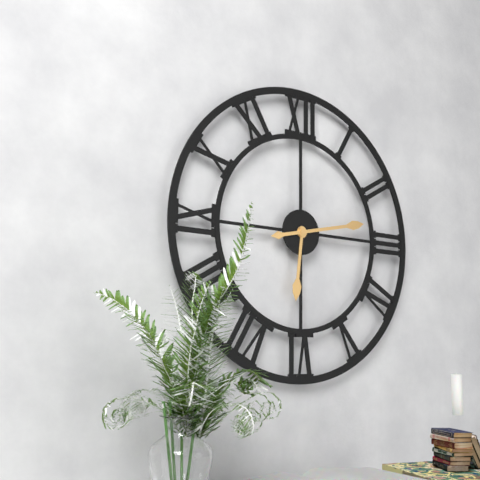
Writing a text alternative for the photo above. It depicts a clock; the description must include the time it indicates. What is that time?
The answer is 6:13
